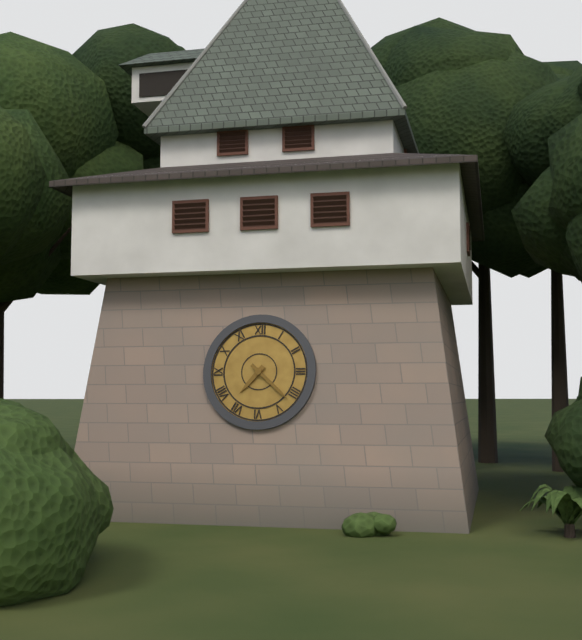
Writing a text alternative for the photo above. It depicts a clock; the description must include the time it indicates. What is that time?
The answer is 7:22
